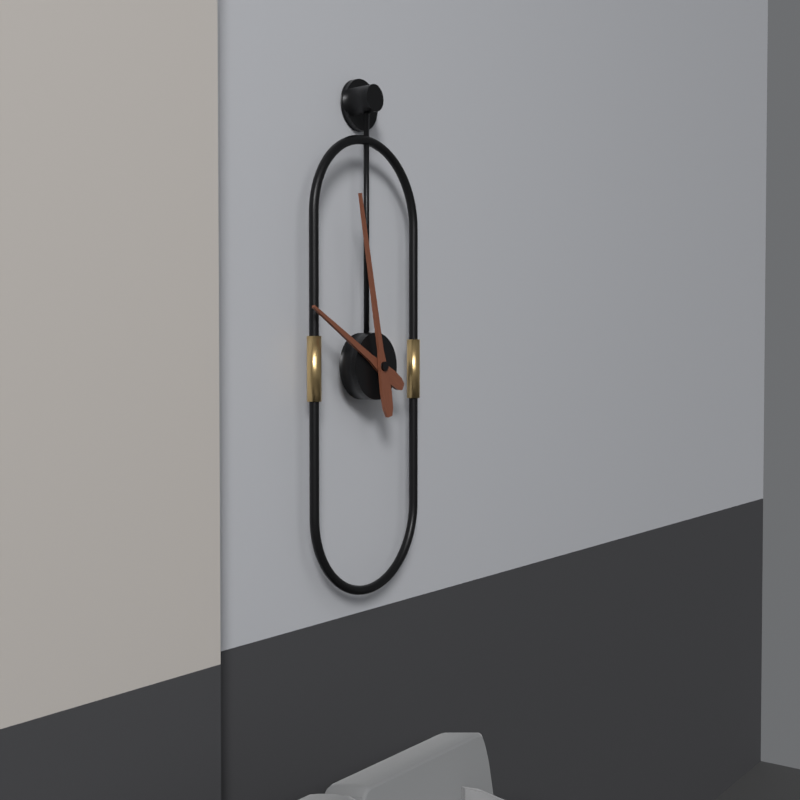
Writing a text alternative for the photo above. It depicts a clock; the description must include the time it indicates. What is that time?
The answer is 9:58
